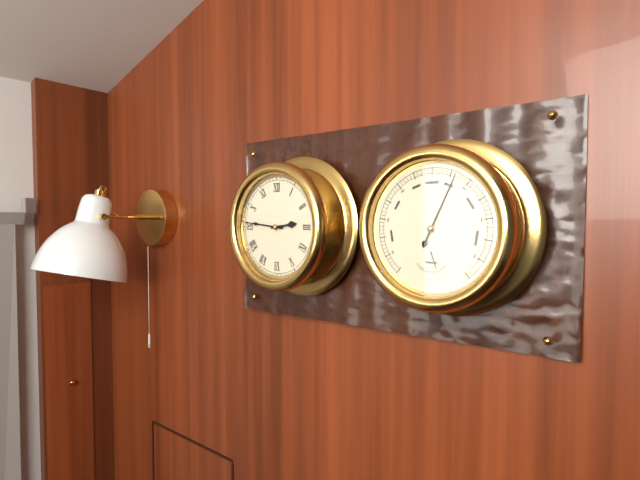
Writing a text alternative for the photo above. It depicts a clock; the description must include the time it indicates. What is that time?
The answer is 2:46
